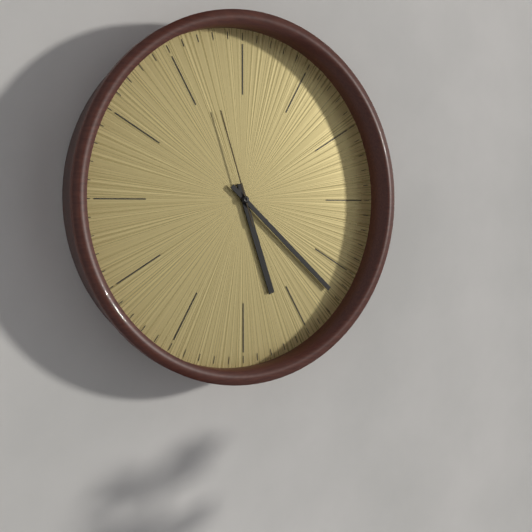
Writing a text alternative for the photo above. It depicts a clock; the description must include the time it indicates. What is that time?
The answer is 5:22:57
